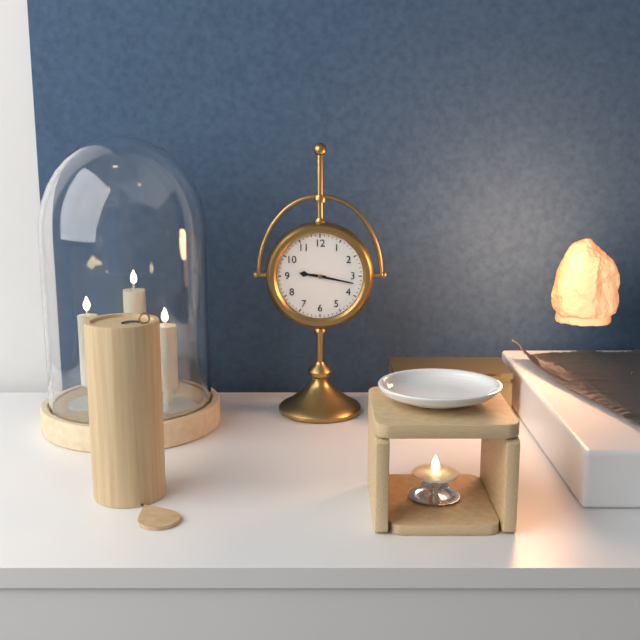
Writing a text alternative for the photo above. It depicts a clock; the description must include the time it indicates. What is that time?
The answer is 9:17
